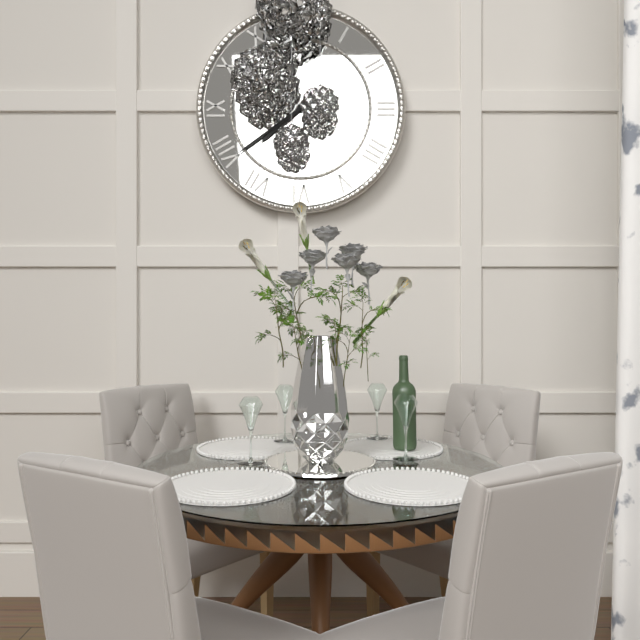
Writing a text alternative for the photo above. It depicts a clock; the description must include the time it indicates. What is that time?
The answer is 7:39
